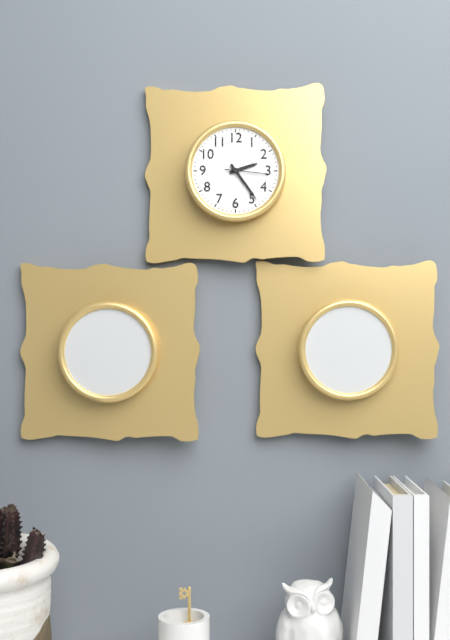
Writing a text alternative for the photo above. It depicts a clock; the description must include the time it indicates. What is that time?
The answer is 2:24
